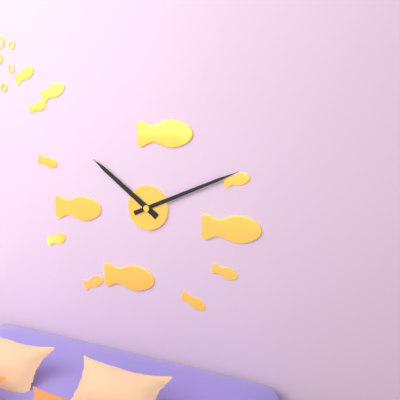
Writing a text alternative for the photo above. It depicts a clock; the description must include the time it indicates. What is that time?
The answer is 10:11
